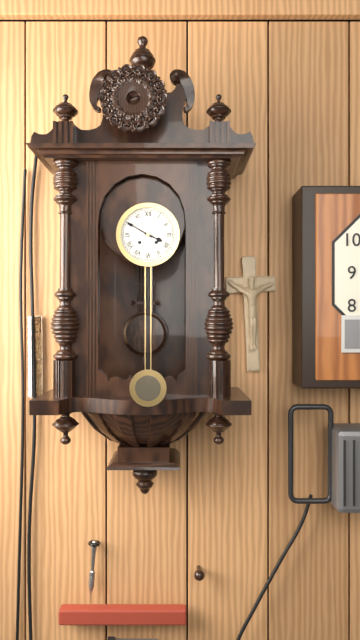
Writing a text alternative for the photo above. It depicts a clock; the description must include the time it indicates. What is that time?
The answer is 3:50
